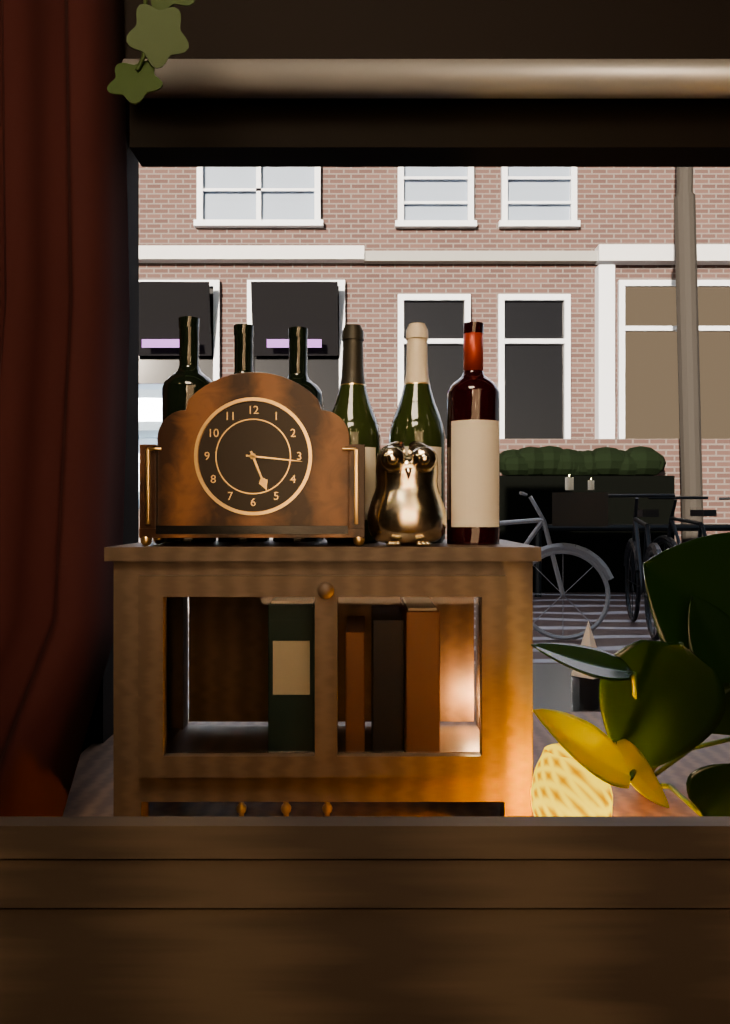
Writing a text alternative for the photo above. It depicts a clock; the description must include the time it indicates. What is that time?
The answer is 5:16
